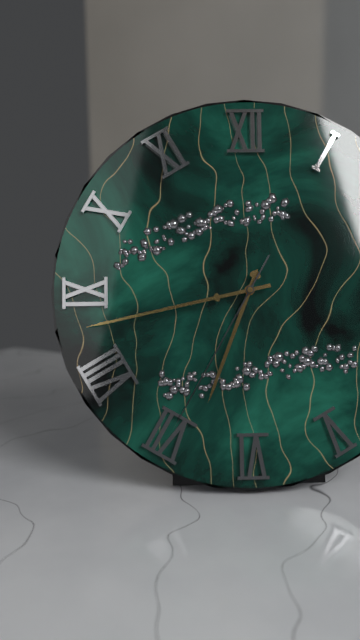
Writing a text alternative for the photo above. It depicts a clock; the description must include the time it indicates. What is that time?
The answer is 6:43:35
